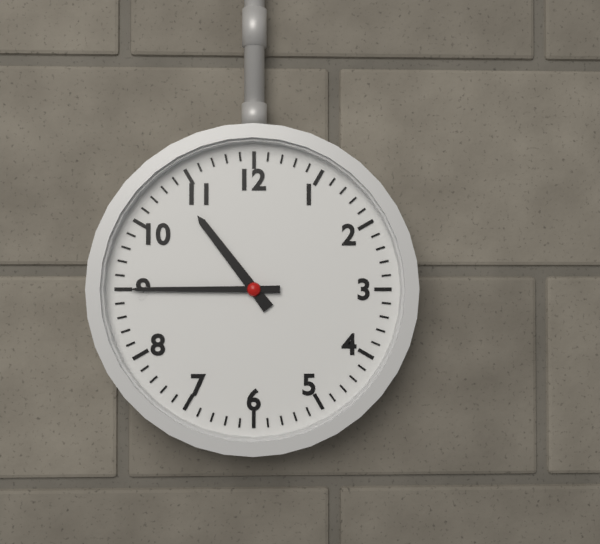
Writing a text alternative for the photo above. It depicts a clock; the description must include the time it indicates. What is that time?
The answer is 10:45
